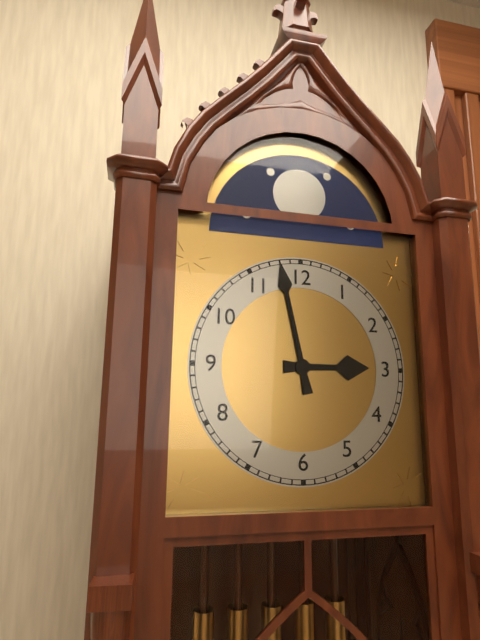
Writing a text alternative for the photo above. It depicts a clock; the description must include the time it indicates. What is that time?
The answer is 2:58
